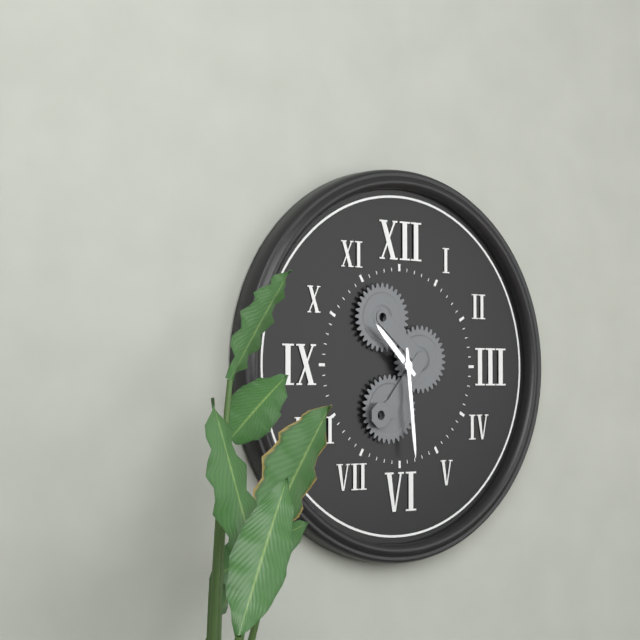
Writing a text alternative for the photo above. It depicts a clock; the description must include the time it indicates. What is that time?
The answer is 10:29
